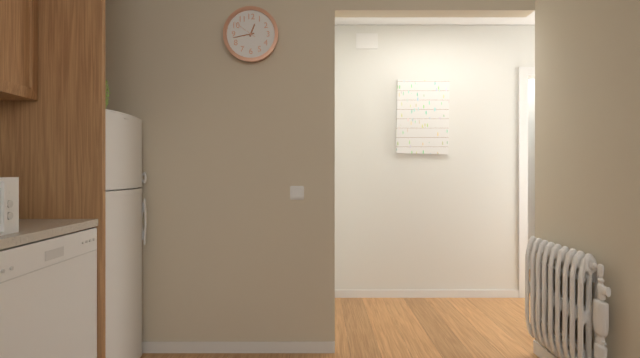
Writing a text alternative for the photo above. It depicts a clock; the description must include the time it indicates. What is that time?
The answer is 12:43
